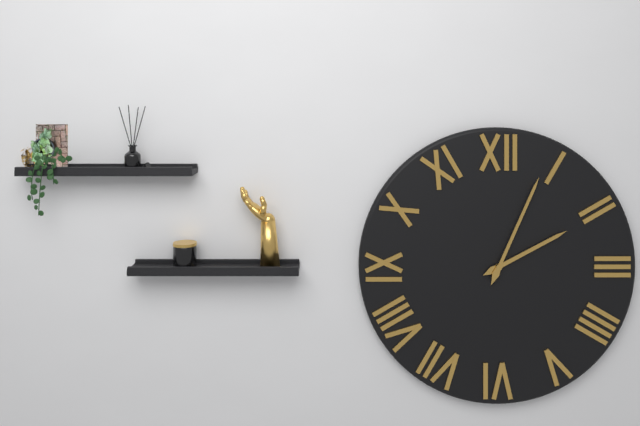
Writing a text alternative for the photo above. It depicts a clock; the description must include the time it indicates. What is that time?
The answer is 2:04
